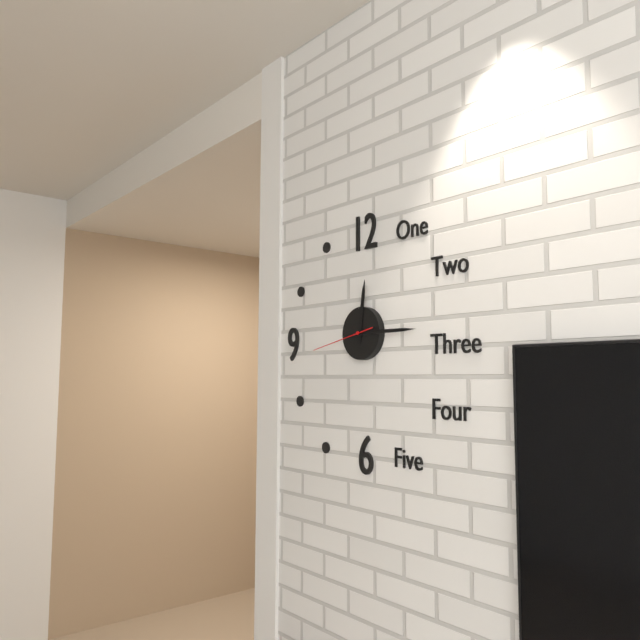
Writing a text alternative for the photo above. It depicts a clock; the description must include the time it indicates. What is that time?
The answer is 12:15:43
